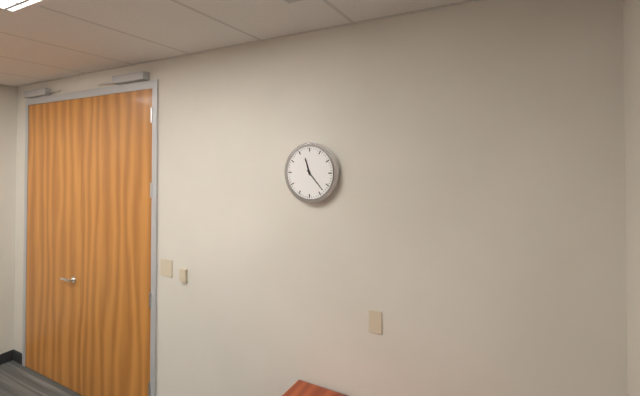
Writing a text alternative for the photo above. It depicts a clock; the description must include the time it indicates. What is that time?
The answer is 11:23
